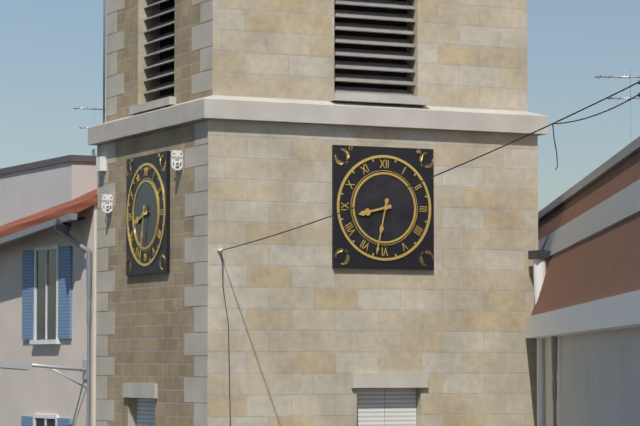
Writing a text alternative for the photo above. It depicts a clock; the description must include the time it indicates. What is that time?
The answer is 8:32
